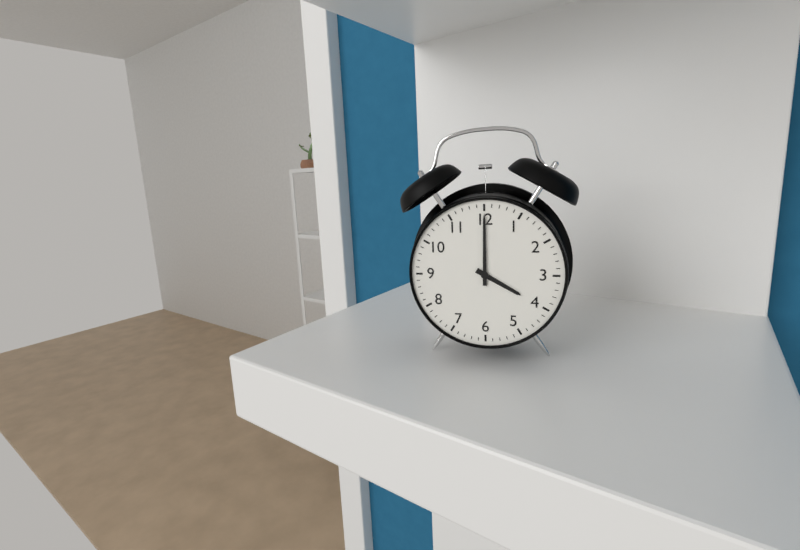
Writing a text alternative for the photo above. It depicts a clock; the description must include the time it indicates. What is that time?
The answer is 4:00
